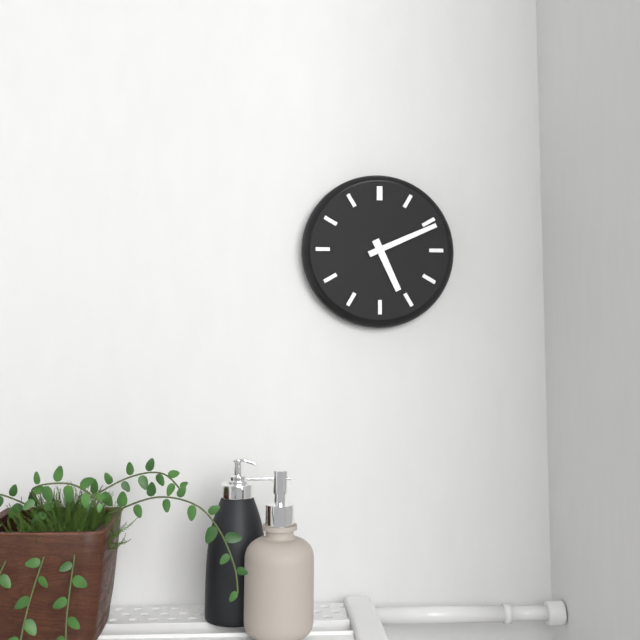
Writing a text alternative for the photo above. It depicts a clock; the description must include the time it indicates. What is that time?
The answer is 5:11
